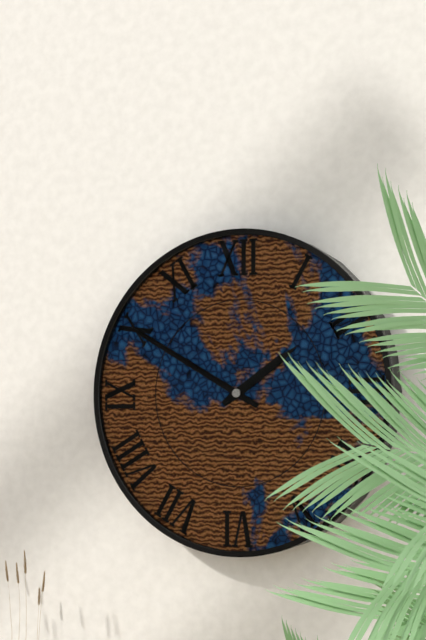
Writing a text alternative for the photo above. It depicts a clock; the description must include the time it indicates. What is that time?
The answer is 1:50
